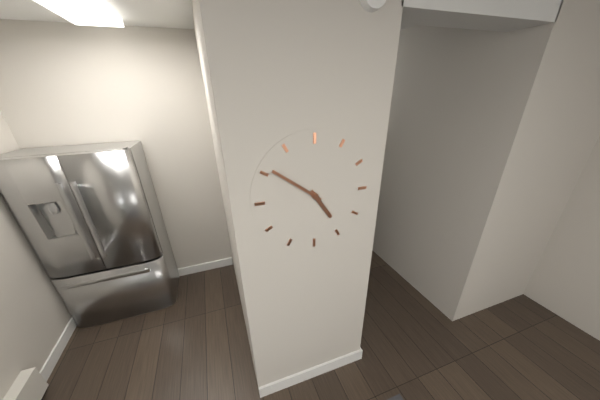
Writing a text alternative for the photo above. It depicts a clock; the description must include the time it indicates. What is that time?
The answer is 4:51
